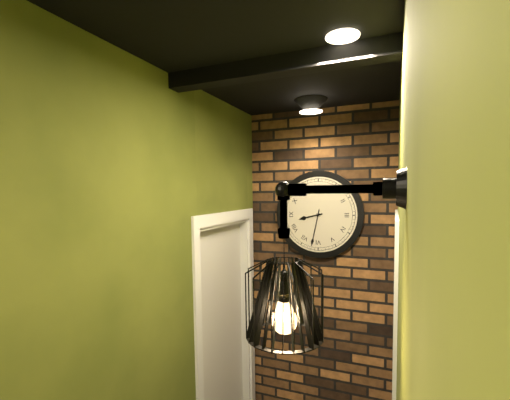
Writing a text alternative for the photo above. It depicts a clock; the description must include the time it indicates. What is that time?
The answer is 8:32
